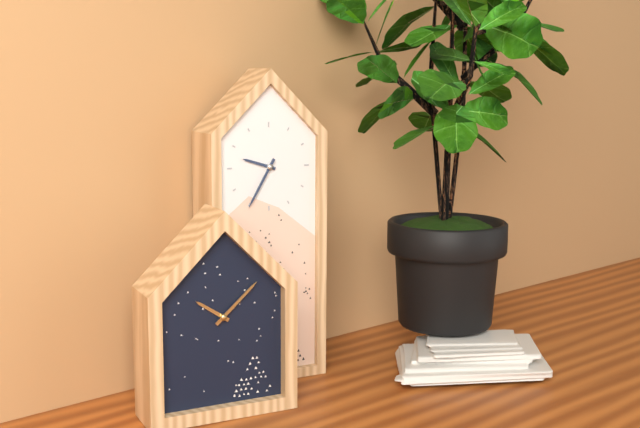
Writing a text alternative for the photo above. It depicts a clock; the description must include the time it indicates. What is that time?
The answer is 9:35
